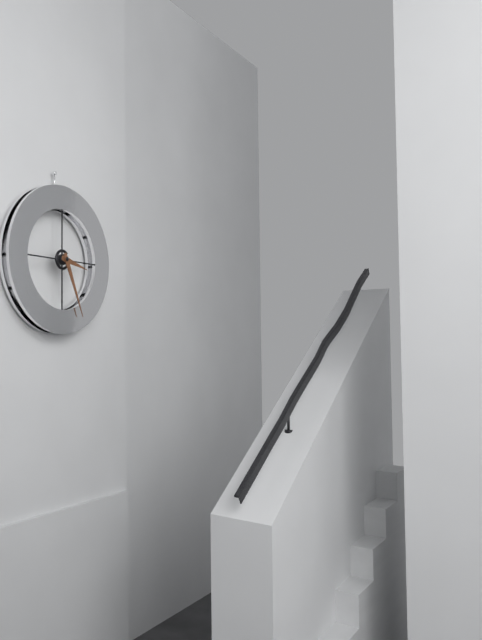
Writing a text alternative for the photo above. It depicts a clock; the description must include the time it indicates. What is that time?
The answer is 3:26
